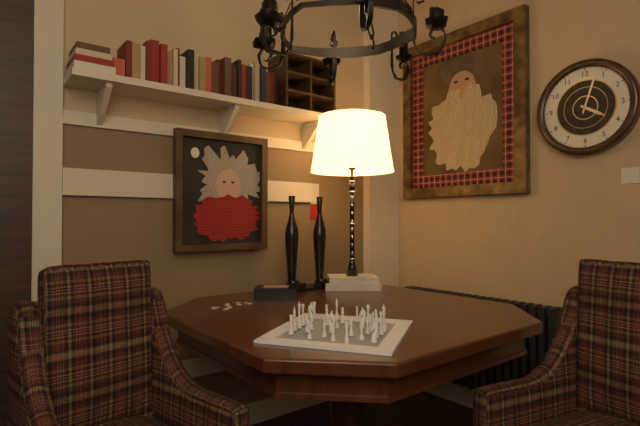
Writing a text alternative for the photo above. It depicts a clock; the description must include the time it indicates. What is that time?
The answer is 4:03
